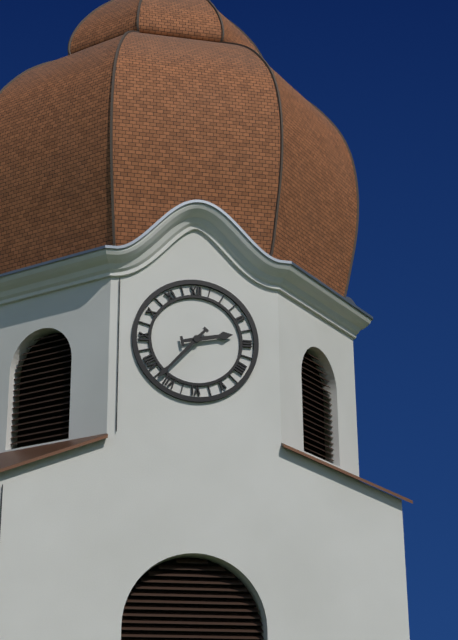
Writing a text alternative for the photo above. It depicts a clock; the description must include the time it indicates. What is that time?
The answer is 2:37
